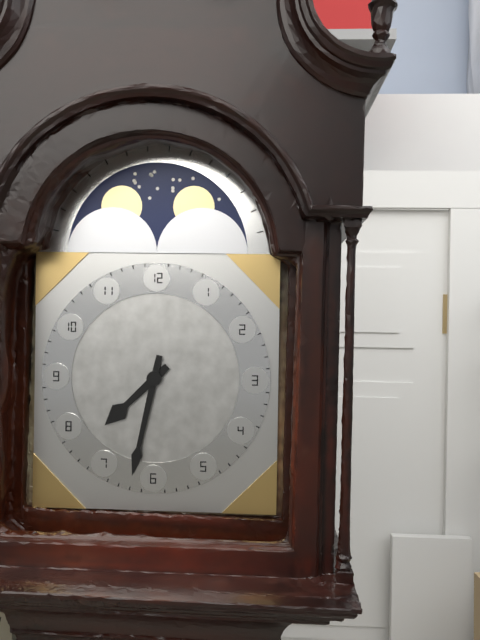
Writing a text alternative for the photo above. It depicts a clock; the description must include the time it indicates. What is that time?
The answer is 7:32
